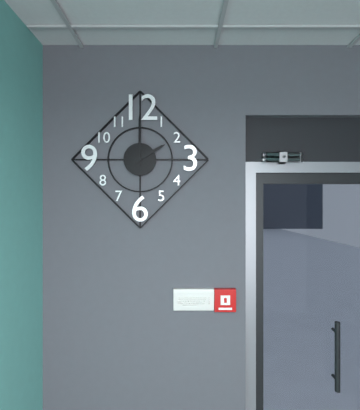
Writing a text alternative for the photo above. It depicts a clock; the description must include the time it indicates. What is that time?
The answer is 2:00
